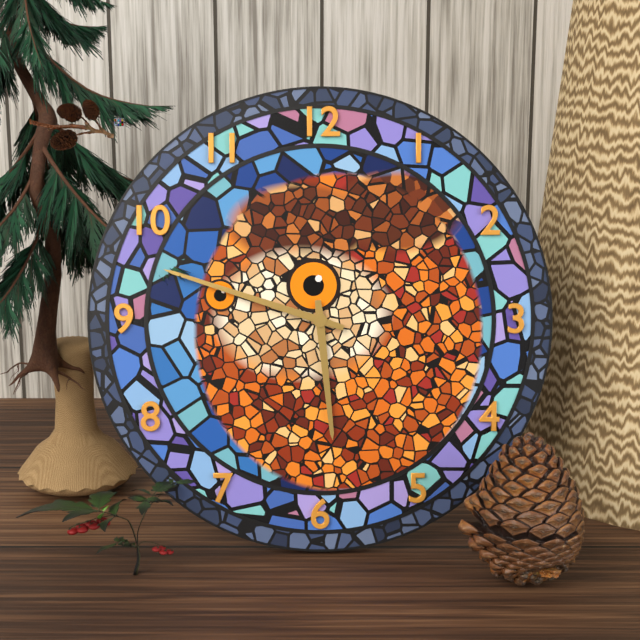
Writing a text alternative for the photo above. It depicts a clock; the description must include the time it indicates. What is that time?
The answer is 5:48
